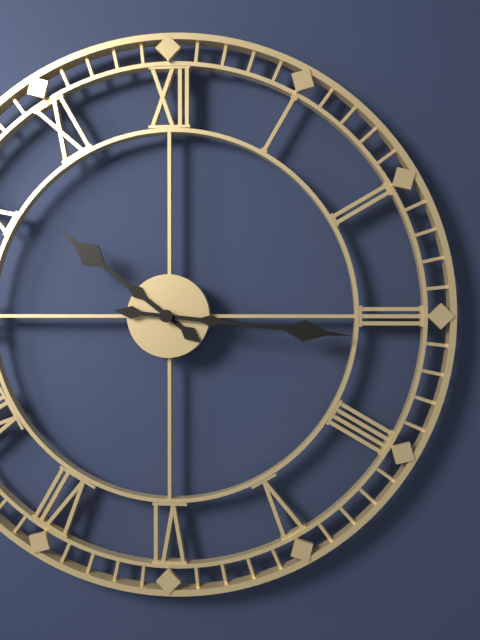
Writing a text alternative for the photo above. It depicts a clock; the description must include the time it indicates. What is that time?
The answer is 10:16
